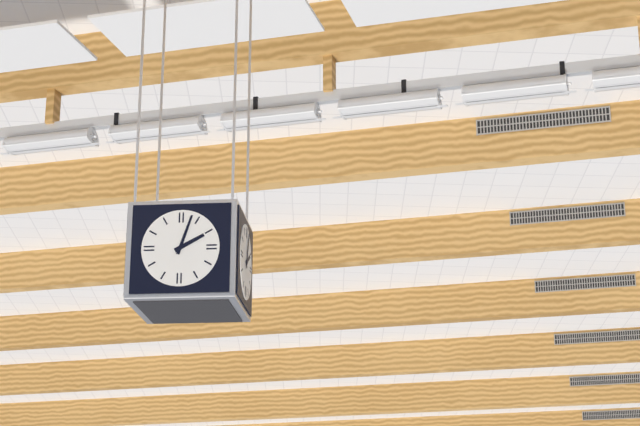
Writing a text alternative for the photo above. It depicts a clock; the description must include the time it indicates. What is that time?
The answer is 2:03
